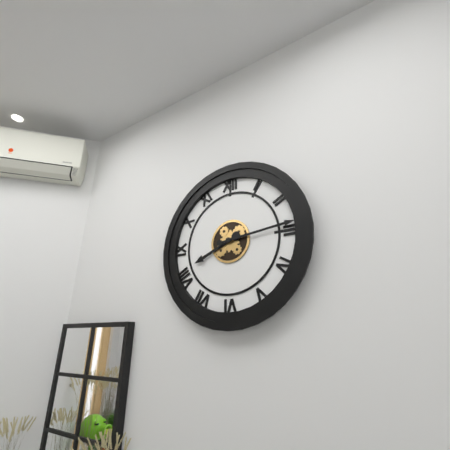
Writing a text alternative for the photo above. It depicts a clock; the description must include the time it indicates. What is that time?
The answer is 8:14
